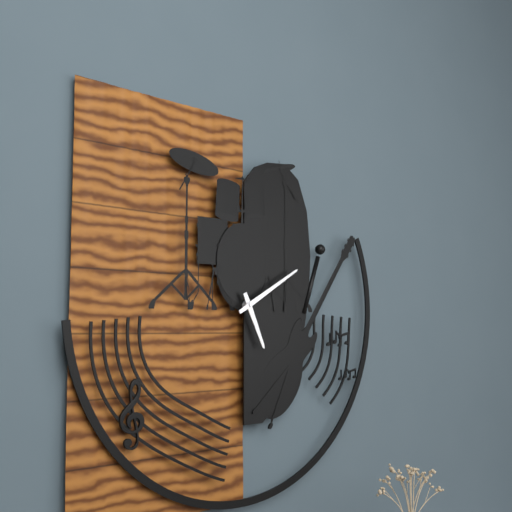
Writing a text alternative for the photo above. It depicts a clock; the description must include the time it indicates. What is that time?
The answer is 5:10
